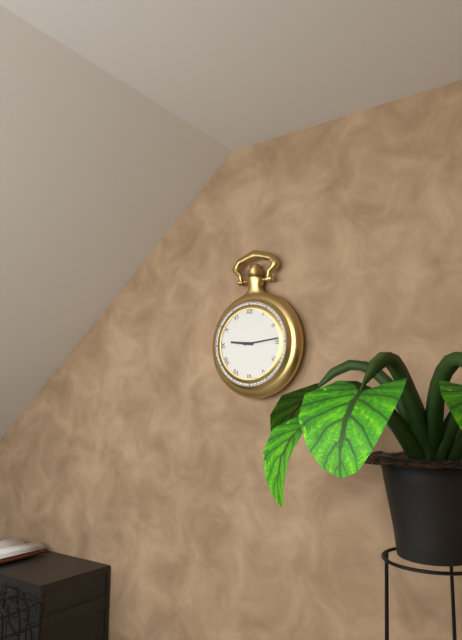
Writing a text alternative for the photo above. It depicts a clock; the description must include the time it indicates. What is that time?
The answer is 9:14
